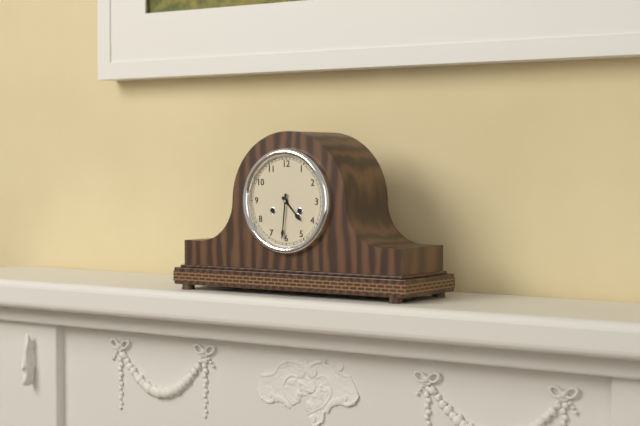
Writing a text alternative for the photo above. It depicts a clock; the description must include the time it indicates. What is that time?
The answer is 4:31
